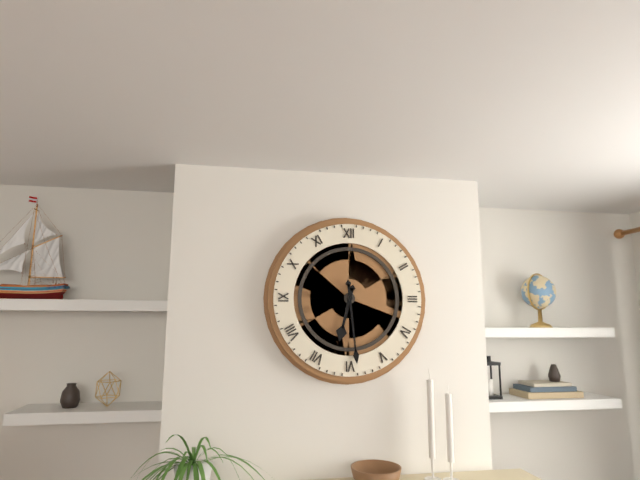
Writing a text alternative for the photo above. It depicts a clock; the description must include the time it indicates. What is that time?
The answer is 6:29
